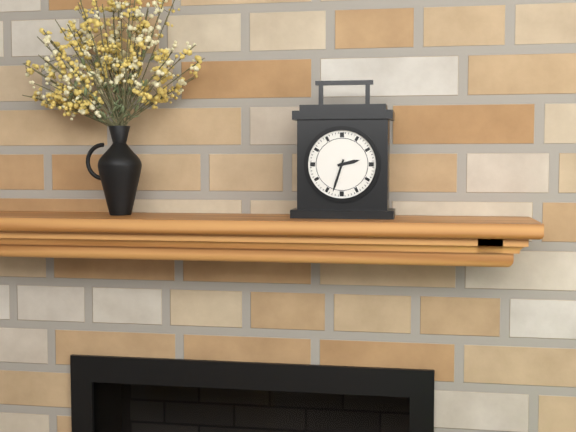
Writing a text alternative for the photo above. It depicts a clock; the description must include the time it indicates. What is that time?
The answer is 2:33
